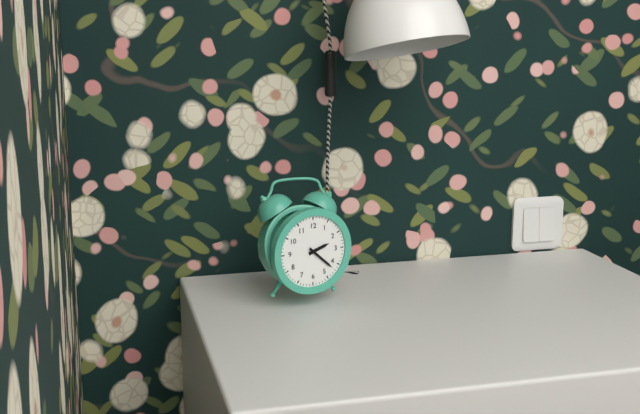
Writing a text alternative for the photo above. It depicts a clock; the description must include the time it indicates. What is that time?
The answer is 2:22
